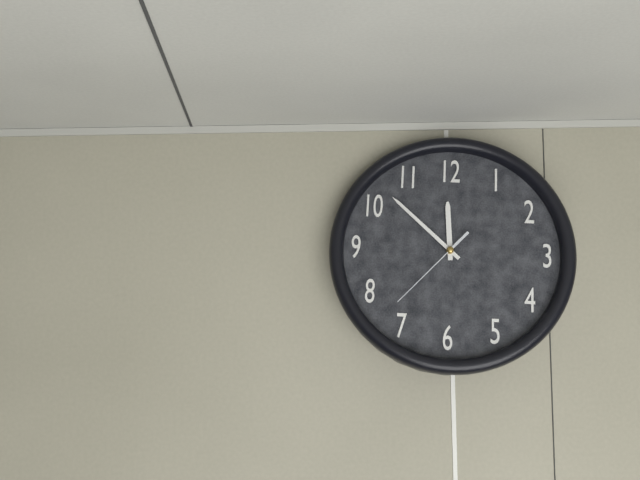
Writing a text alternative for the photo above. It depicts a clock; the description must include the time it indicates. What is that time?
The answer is 11:52:37
